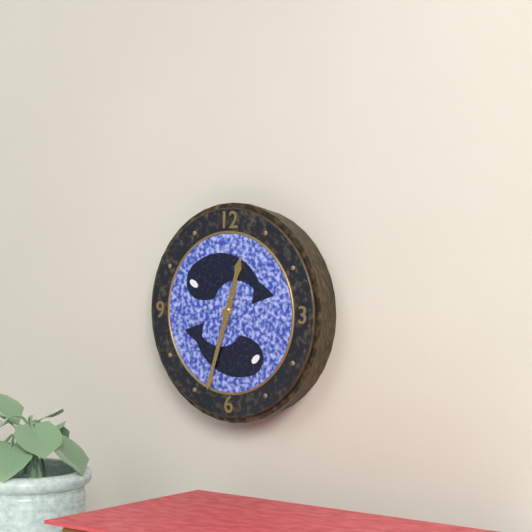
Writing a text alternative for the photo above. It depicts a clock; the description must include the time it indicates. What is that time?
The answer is 12:33
